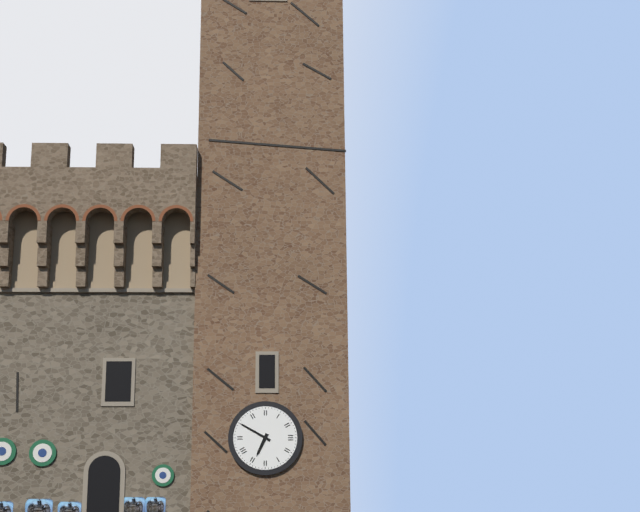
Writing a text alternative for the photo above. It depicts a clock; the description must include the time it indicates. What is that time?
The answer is 6:50
